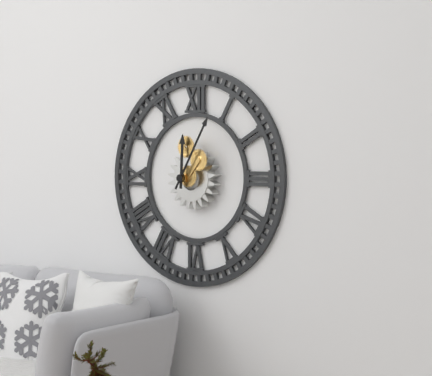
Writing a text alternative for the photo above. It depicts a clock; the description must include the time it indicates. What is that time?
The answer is 12:05
